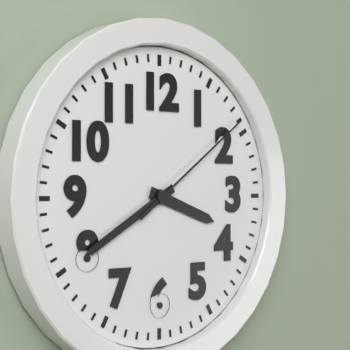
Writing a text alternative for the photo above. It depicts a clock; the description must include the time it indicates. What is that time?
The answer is 3:40:09
